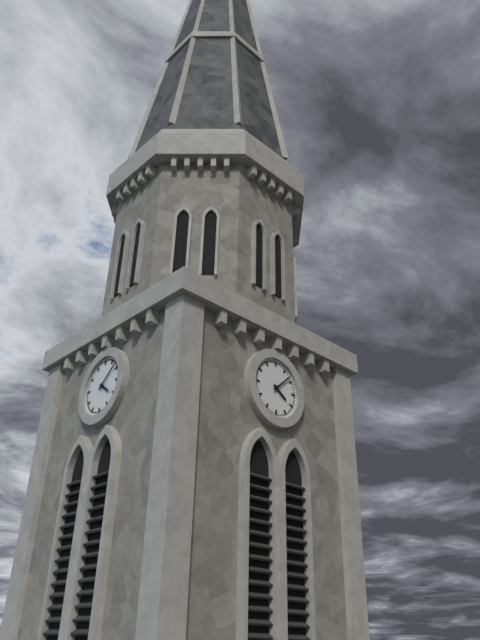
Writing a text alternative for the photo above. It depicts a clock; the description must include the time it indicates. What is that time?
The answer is 4:08
